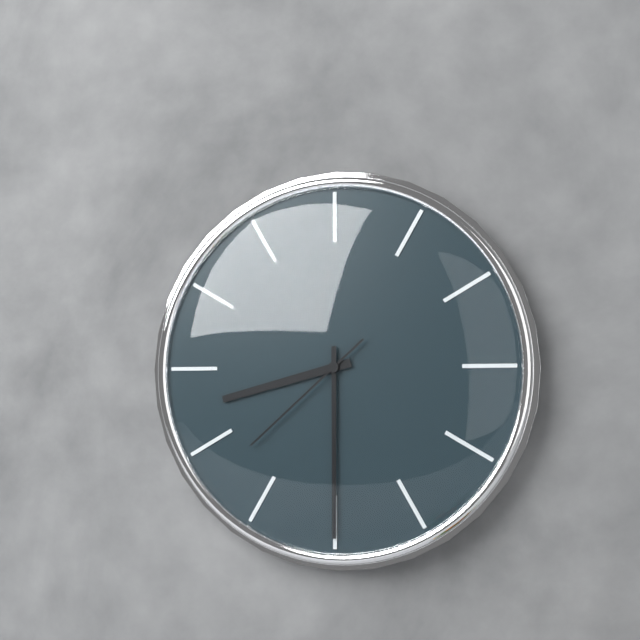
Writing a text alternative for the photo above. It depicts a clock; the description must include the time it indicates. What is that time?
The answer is 8:30:38
